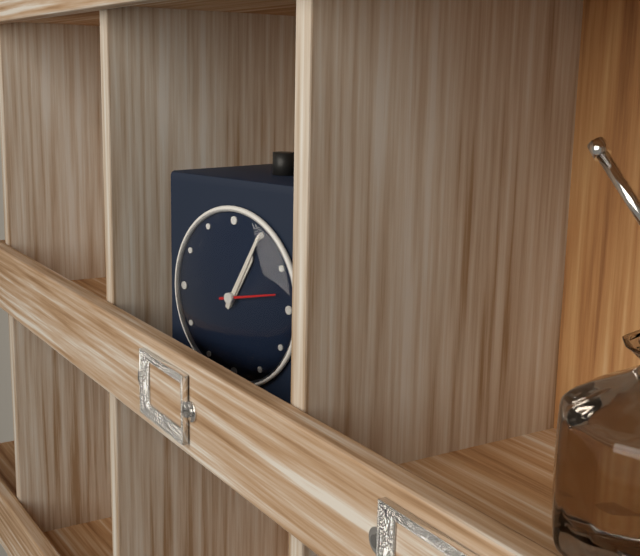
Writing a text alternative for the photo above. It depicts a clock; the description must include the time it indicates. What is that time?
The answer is 1:05:13
